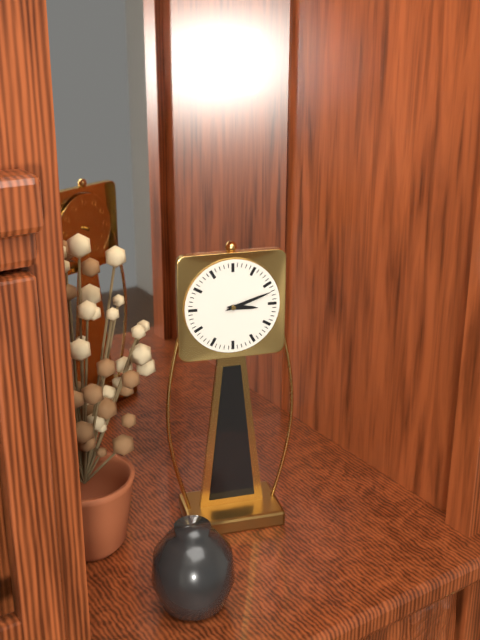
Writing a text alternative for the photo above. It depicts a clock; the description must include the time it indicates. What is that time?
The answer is 3:12
